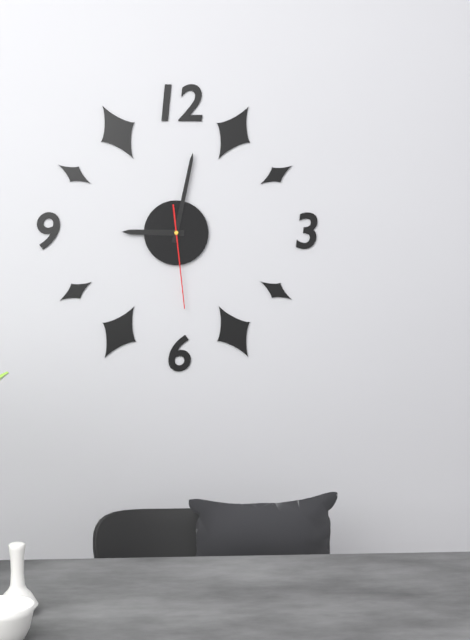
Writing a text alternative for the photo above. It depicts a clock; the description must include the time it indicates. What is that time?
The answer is 9:02:29
